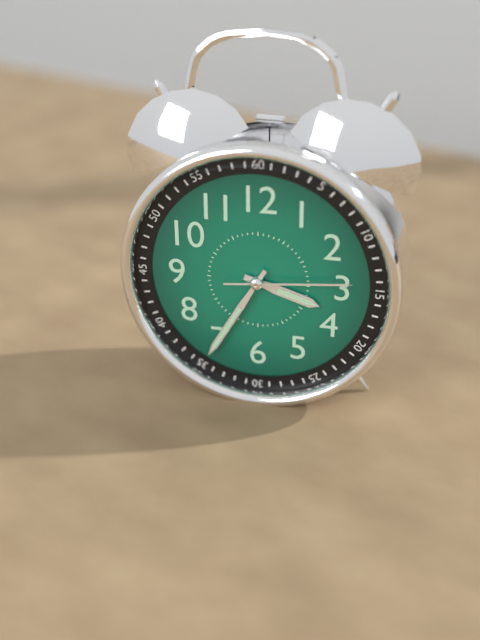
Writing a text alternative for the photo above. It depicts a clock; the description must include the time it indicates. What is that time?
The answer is 3:35:14
